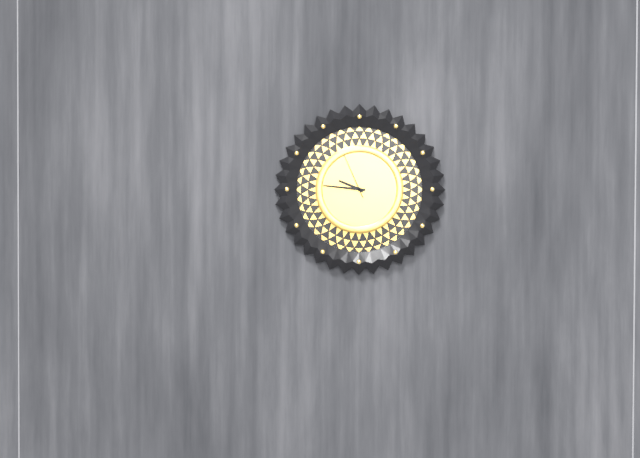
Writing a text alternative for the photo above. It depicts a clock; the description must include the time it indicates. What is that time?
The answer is 9:46
